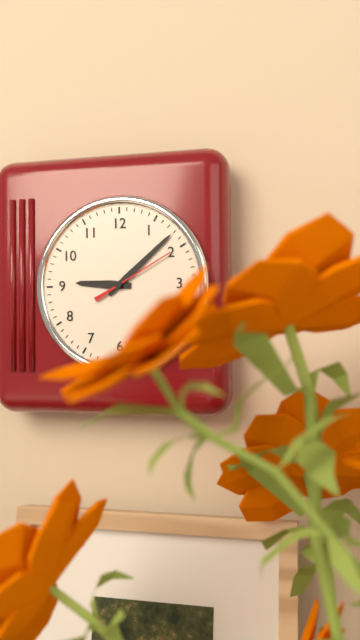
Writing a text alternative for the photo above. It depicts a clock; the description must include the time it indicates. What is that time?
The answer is 9:08:10
